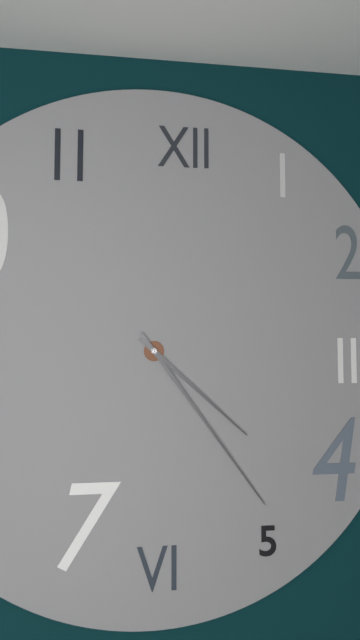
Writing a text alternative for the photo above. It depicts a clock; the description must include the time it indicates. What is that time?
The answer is 4:24
